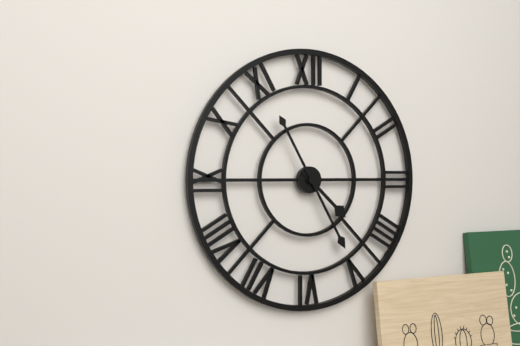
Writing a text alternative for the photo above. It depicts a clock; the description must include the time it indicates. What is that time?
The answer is 4:25
